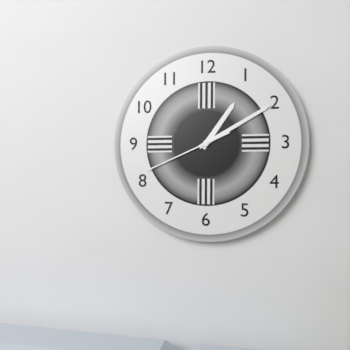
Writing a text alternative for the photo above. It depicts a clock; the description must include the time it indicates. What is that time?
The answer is 1:10:41
